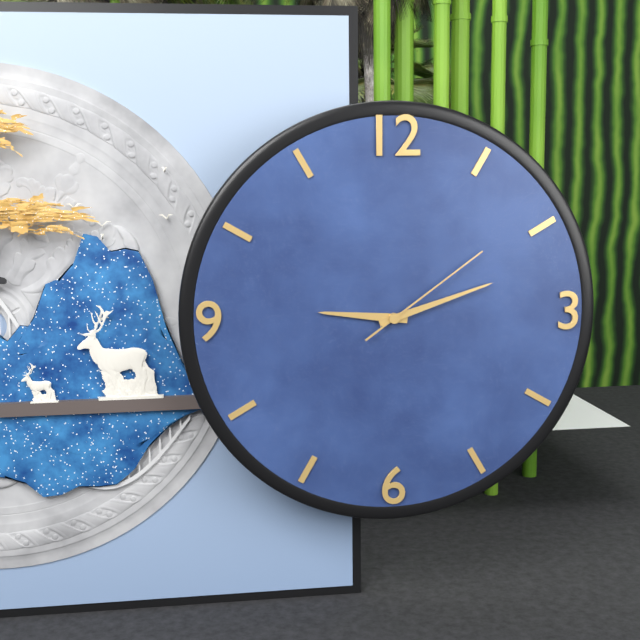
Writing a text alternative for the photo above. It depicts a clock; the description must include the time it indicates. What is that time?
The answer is 9:12:09
